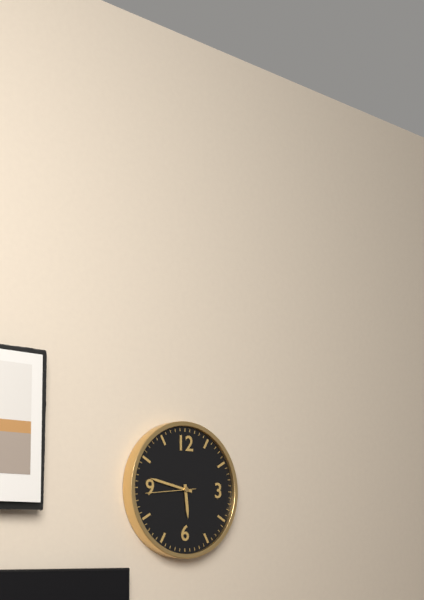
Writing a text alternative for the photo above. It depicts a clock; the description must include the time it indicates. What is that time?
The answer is 5:47
